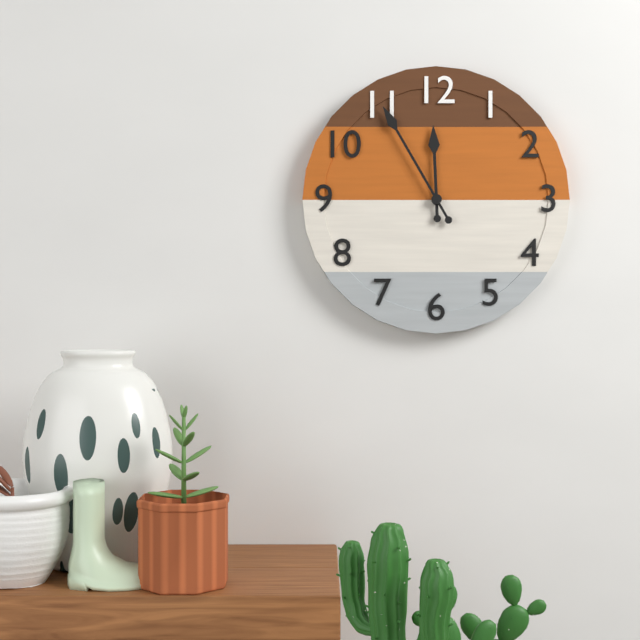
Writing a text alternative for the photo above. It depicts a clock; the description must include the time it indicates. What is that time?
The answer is 11:55
